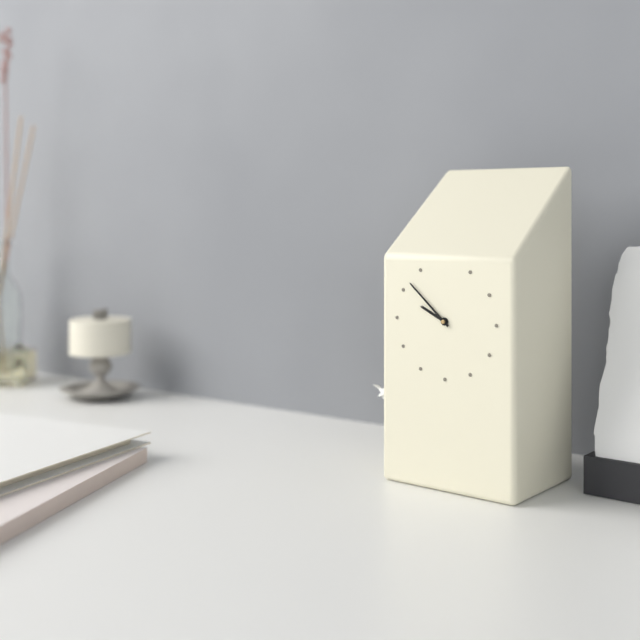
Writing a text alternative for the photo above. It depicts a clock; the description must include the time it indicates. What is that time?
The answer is 9:52
